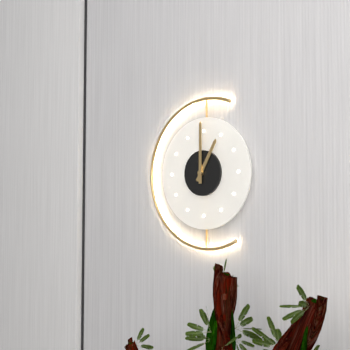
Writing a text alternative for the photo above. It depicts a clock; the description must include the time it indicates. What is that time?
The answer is 1:00
